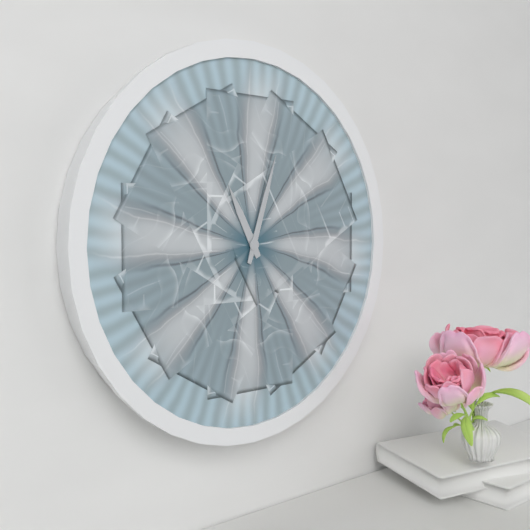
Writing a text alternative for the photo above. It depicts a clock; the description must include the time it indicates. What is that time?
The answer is 11:03
